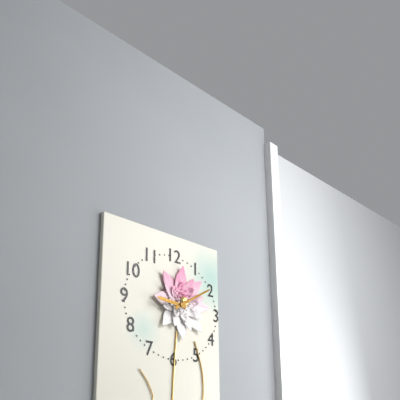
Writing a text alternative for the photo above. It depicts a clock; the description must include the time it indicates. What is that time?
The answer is 9:10
